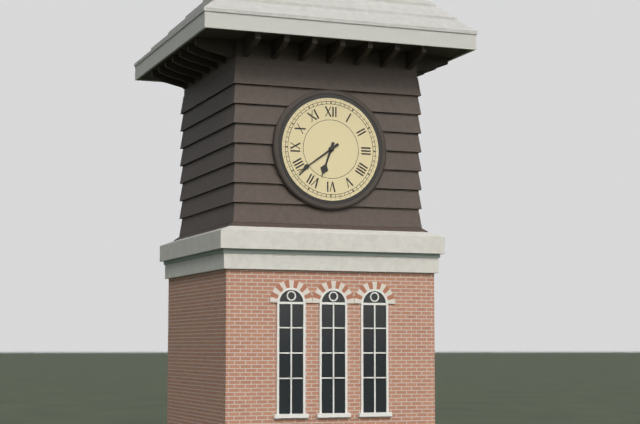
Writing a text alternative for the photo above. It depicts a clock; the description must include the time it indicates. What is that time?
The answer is 6:39
